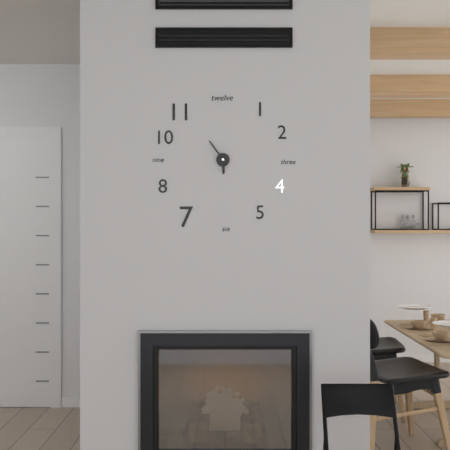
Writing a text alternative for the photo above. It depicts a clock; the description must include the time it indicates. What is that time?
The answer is 5:54
